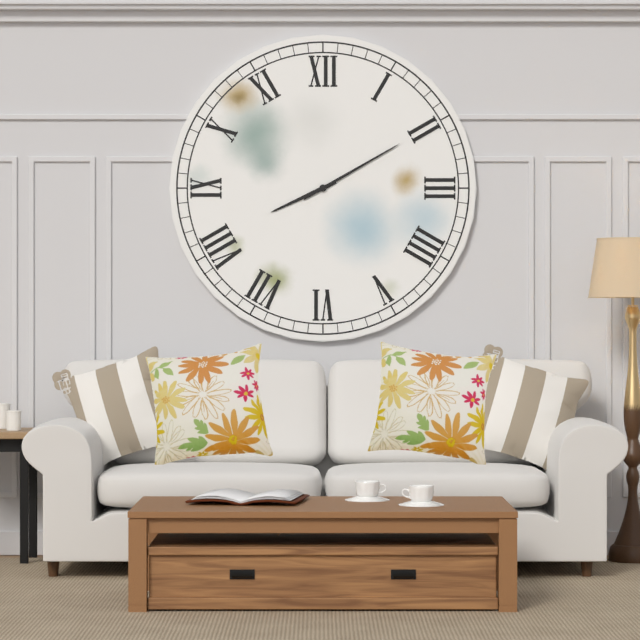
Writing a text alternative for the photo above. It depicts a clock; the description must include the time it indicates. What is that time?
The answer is 8:10
